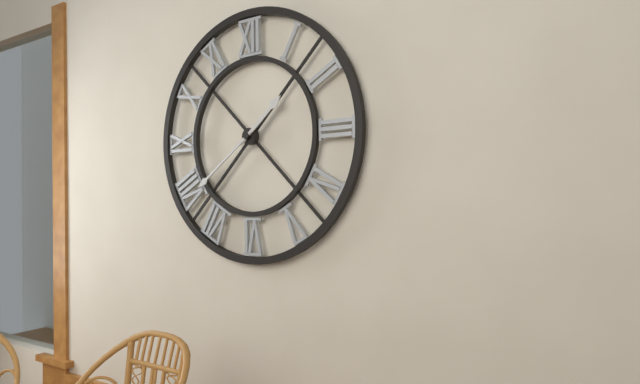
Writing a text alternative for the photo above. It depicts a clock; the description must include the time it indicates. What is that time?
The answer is 1:39
